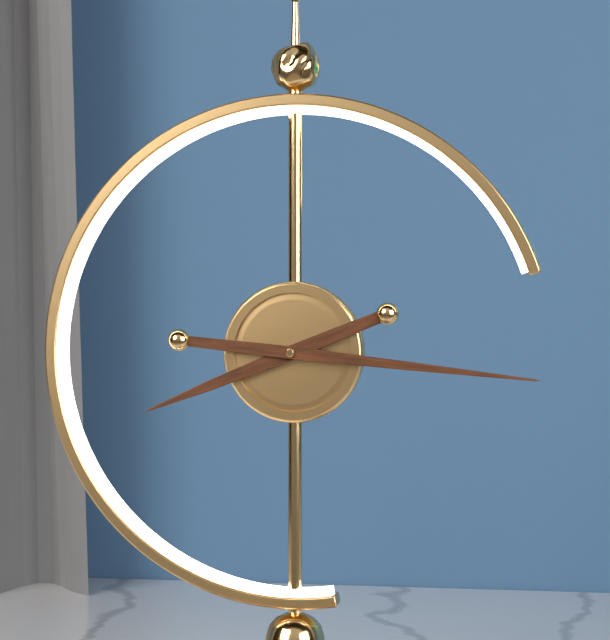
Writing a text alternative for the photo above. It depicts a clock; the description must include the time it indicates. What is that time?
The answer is 8:16
